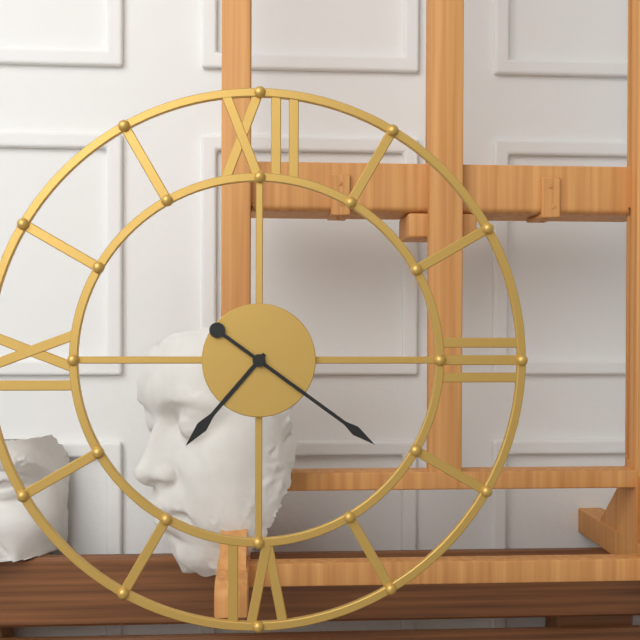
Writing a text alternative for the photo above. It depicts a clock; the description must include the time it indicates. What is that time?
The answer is 7:21
